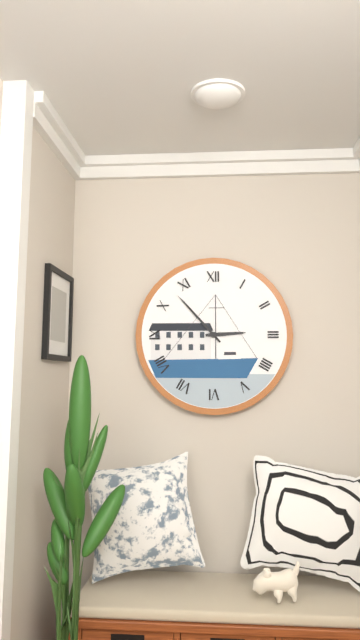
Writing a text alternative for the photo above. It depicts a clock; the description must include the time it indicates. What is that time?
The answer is 2:53
